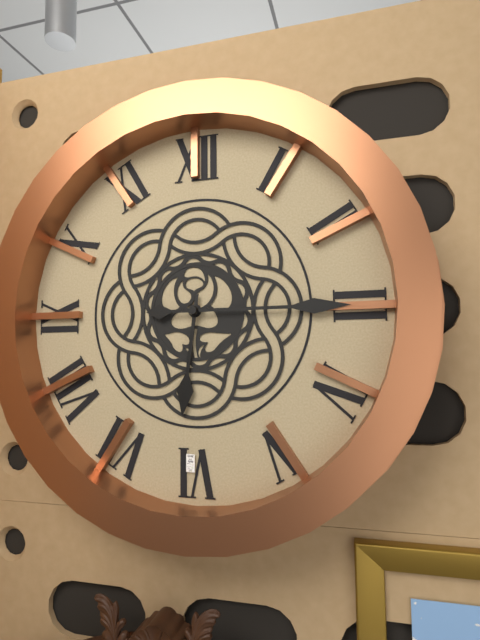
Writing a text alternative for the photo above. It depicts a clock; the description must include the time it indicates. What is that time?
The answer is 6:15
